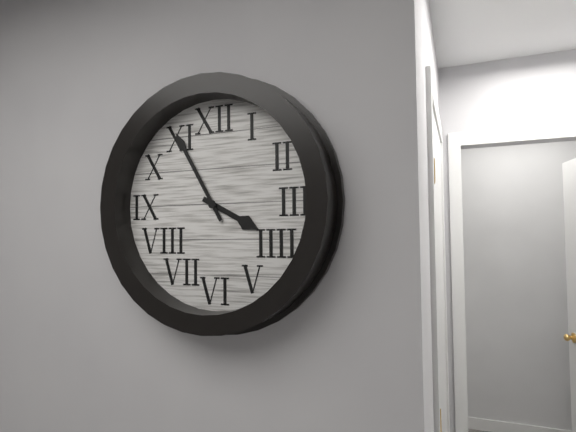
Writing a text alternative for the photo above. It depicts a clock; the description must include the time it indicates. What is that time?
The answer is 3:55
